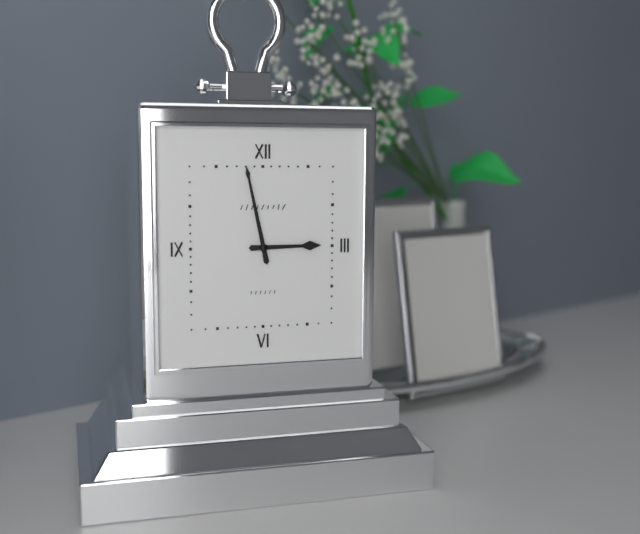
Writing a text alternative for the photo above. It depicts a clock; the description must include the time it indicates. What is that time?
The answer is 2:58
